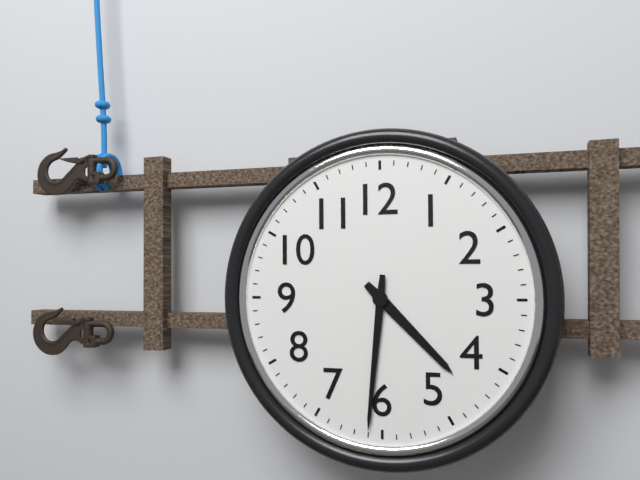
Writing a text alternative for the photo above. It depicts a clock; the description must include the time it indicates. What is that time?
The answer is 4:31
